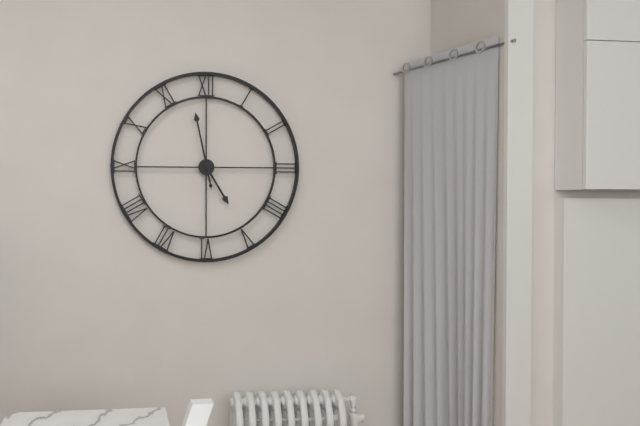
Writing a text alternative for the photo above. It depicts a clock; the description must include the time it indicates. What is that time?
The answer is 4:58
